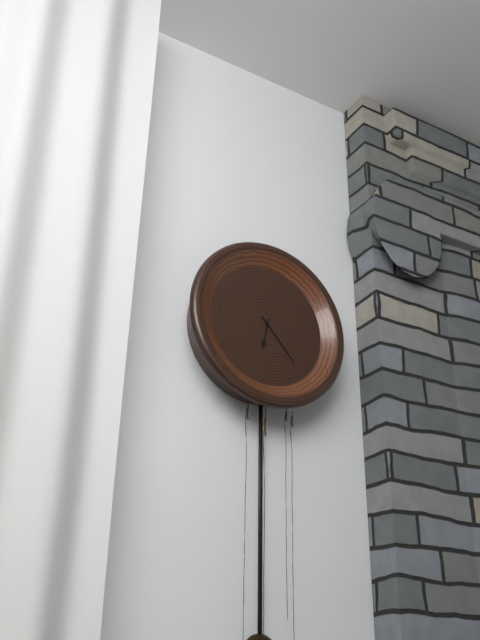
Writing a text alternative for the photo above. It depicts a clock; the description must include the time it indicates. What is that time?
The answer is 6:23
